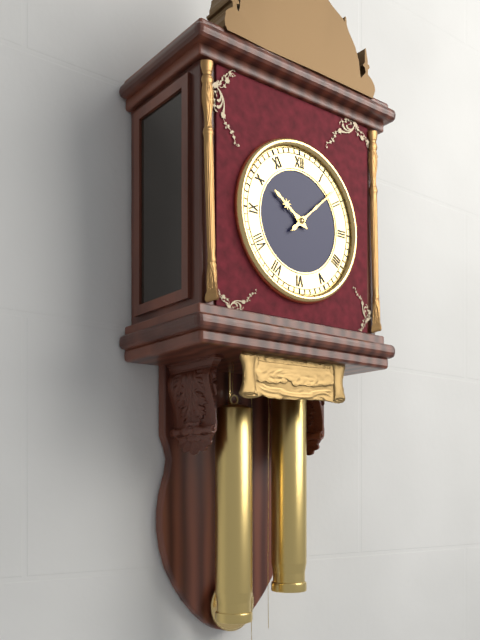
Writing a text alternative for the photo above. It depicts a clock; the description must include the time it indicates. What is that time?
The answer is 10:08
